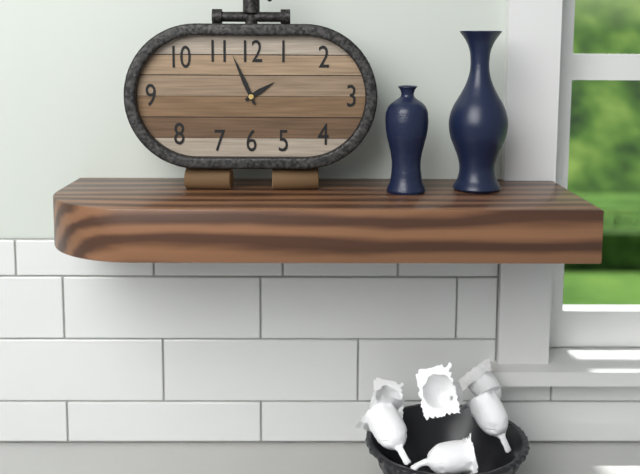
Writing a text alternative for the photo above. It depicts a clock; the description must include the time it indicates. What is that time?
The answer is 1:56
